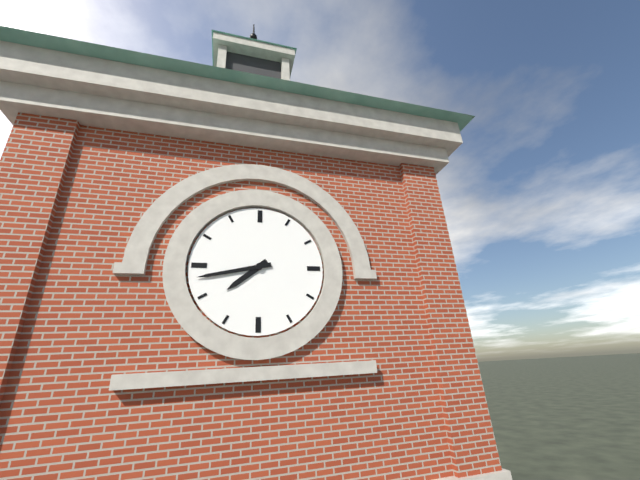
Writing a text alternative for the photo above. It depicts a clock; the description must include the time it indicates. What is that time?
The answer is 7:43
